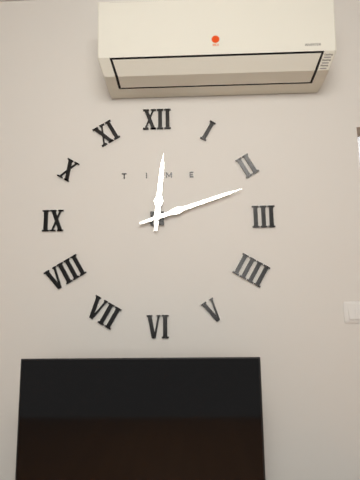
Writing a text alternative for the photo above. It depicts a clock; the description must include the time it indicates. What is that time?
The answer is 12:12
